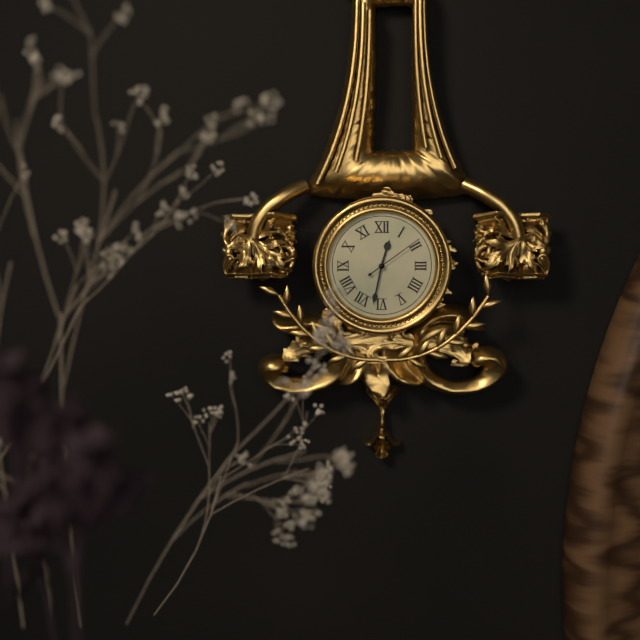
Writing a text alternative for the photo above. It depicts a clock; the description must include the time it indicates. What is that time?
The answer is 12:32:09
